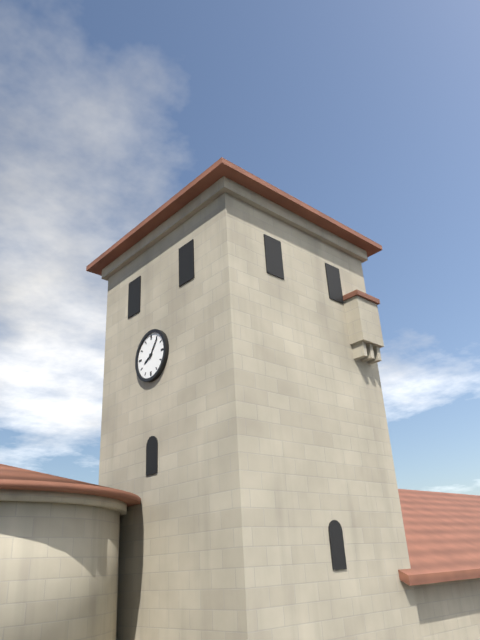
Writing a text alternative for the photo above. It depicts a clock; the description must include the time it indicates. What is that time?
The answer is 8:06
